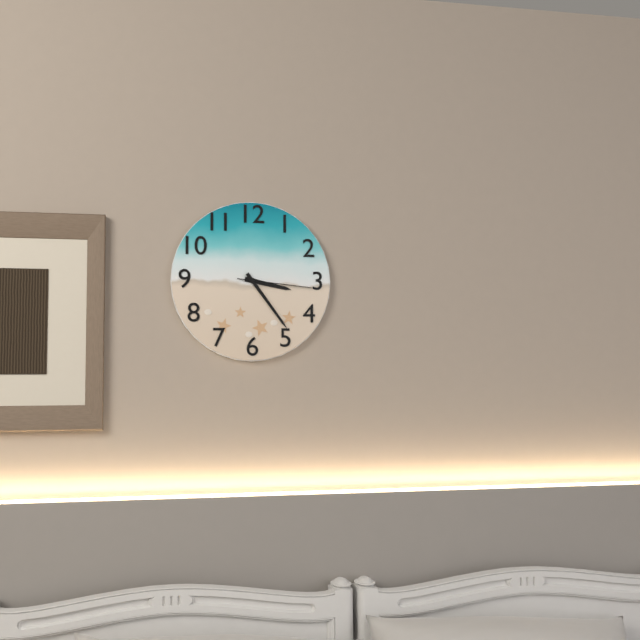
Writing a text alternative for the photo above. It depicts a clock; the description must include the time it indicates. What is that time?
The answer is 3:24:16
